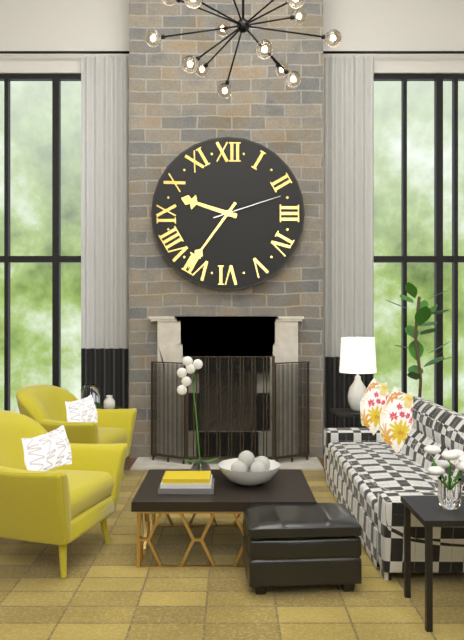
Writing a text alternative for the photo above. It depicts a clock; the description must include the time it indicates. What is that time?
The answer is 9:36:12
